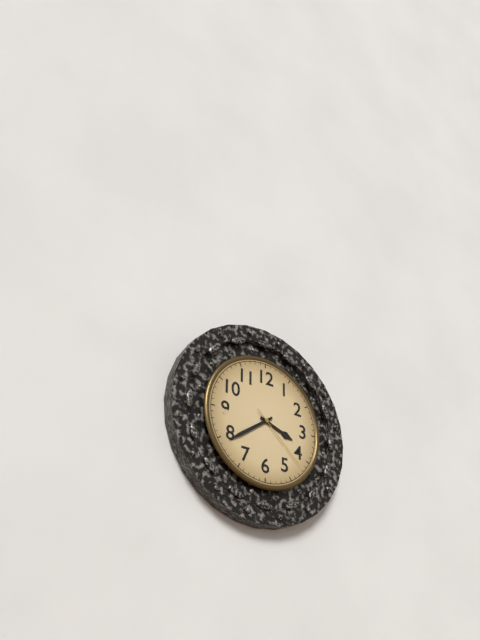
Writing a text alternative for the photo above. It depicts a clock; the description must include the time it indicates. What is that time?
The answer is 3:39:22
